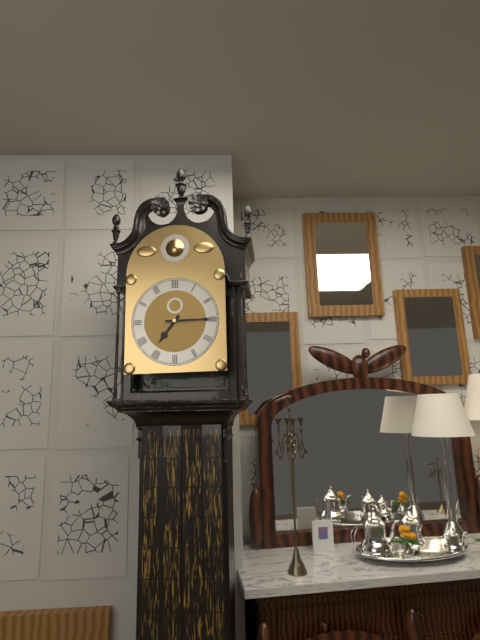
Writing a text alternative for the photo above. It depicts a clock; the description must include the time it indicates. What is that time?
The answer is 7:15
